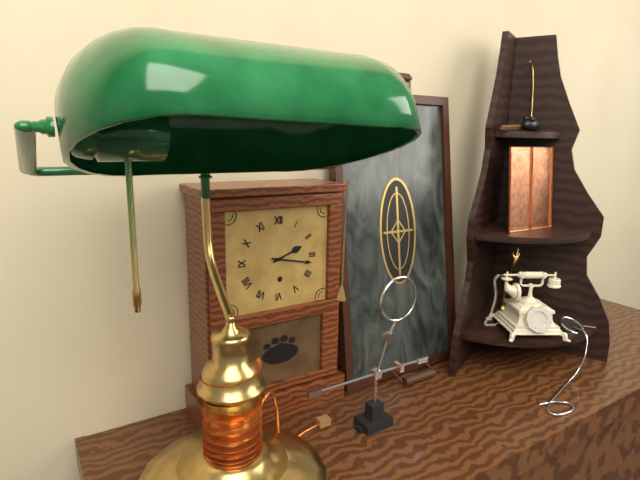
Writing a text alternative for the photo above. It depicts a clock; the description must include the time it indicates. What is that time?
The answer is 2:17
